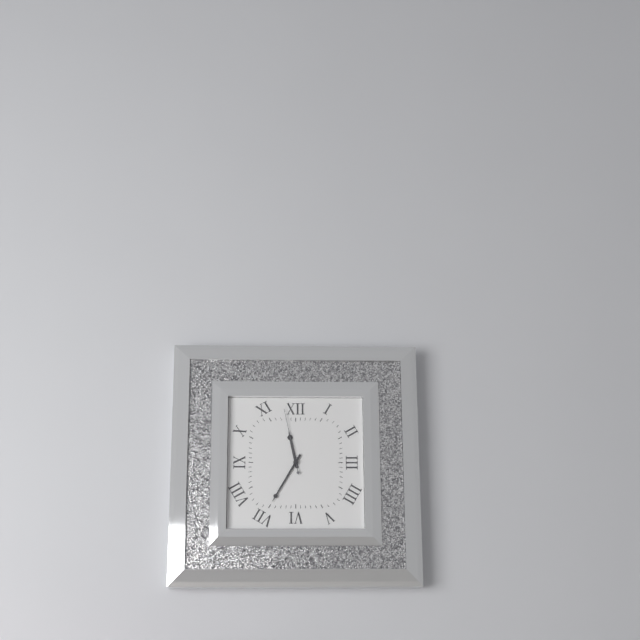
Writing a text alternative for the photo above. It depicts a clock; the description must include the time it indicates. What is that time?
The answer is 11:35:58
